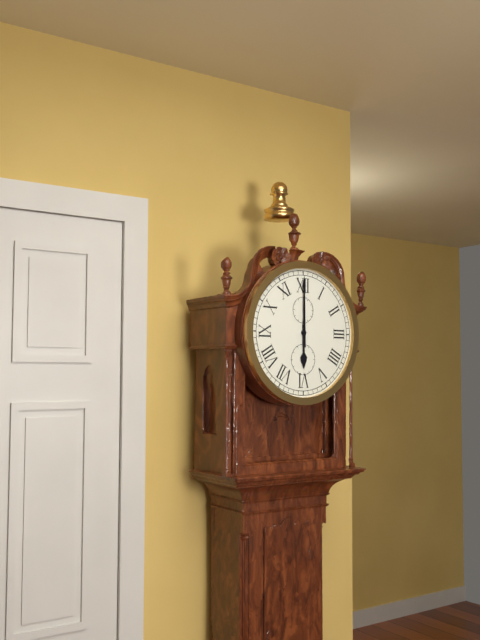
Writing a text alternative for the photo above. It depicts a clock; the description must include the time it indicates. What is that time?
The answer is 6:00
